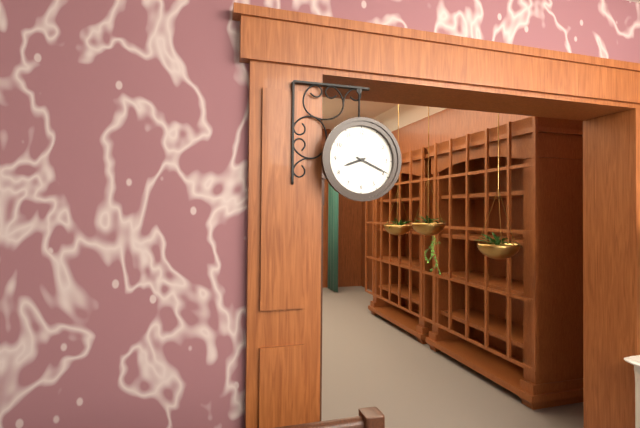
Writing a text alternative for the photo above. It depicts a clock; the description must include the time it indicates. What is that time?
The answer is 8:19
